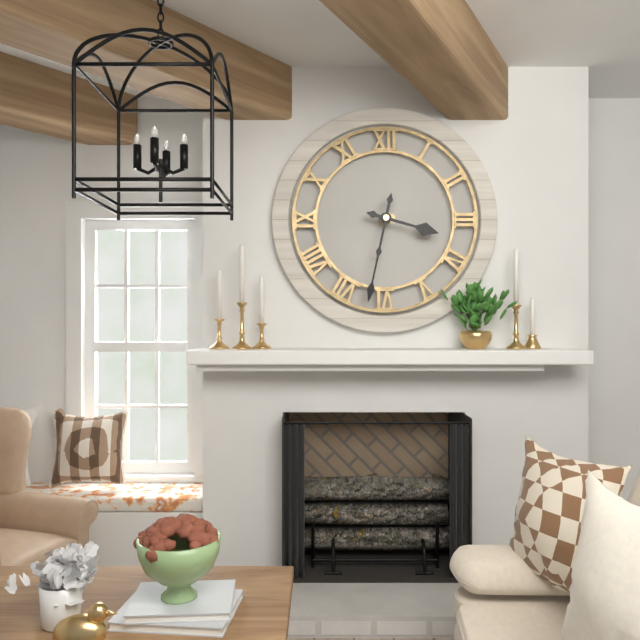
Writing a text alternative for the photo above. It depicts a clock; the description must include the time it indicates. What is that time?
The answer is 3:32
